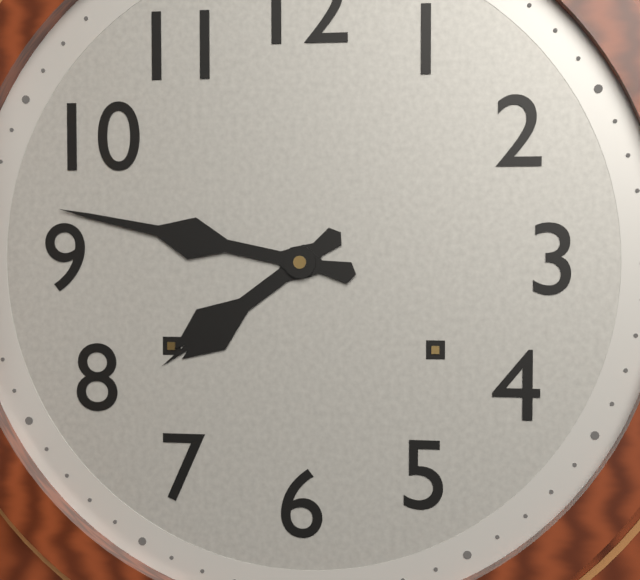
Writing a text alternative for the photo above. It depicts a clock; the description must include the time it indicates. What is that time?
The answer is 7:47
